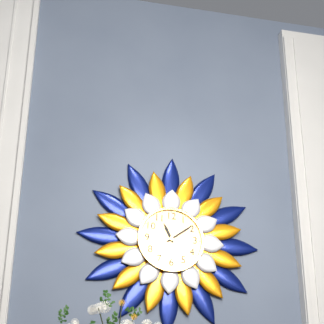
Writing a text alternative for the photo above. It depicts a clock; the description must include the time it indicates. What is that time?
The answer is 11:09
